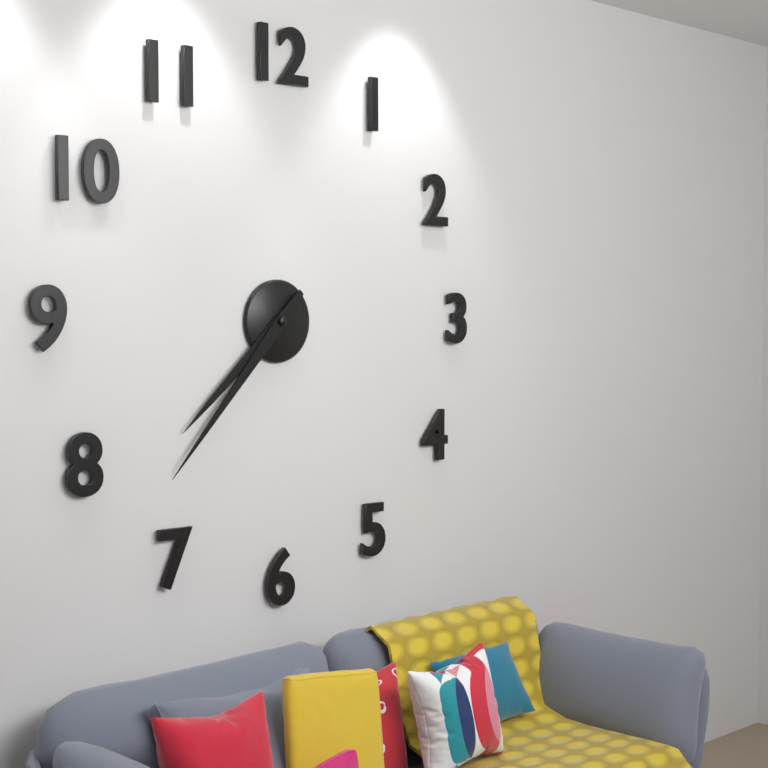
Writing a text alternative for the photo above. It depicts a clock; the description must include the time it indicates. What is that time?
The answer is 7:37
